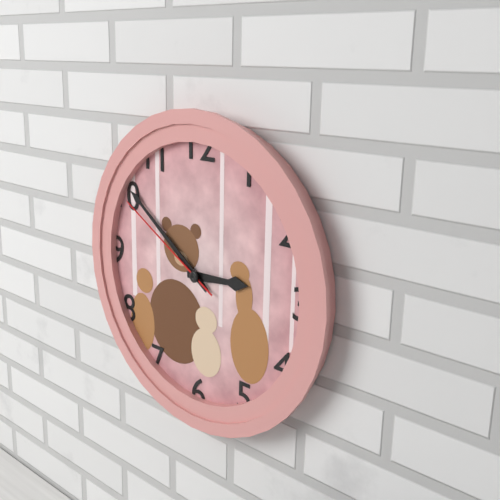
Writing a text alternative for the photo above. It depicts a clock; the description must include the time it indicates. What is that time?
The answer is 2:51:50
